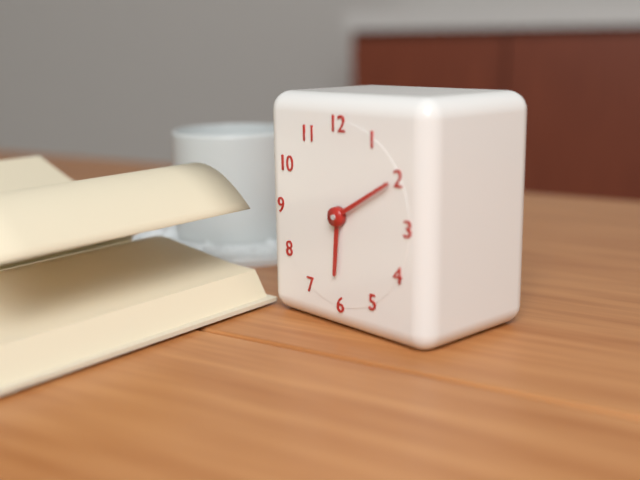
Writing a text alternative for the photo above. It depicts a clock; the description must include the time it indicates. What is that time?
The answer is 6:10
